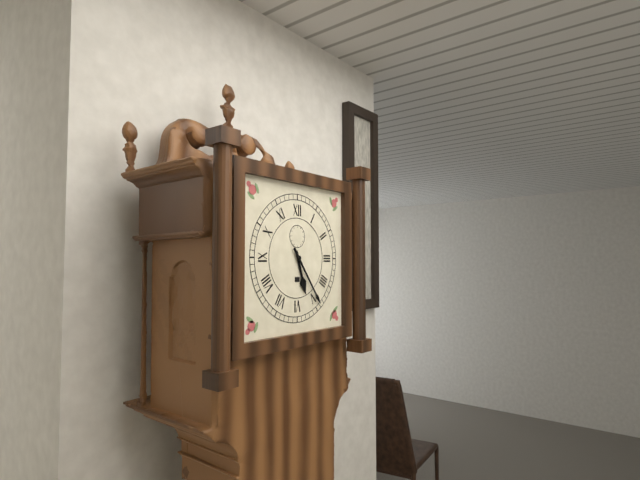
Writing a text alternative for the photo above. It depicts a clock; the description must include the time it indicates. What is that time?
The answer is 5:24
